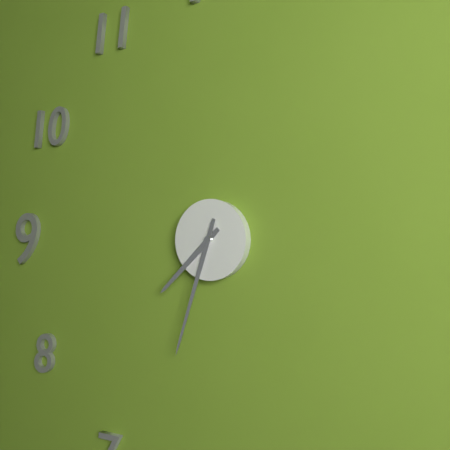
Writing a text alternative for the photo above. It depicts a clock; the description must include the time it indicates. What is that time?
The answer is 7:33
